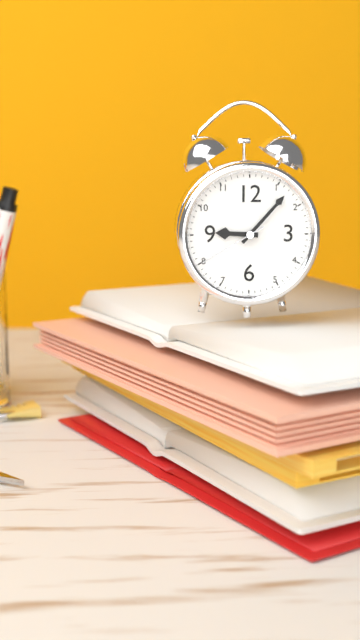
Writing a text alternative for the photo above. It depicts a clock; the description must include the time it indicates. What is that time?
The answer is 9:07:40
